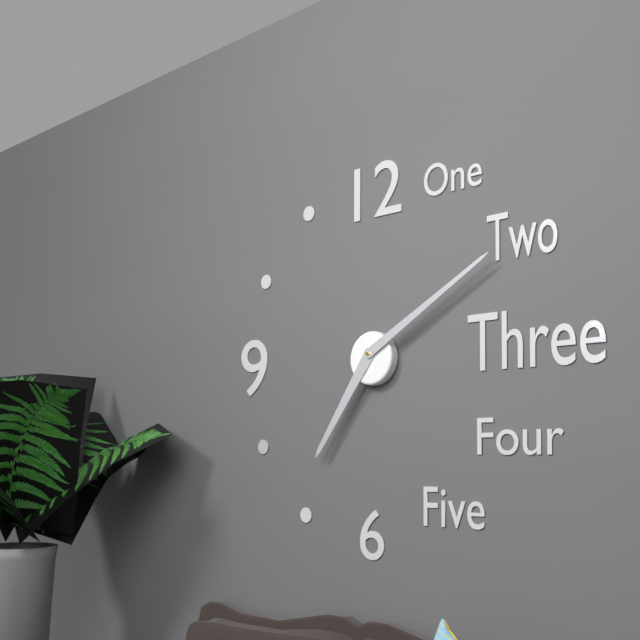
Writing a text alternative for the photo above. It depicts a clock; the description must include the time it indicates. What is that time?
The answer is 7:10
